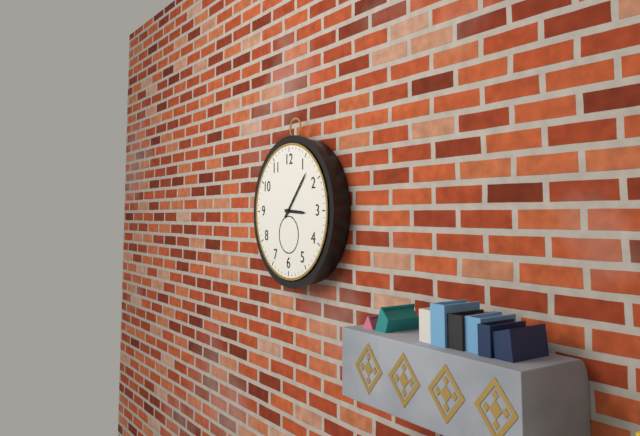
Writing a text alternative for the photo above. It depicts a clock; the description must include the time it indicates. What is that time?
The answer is 3:07
